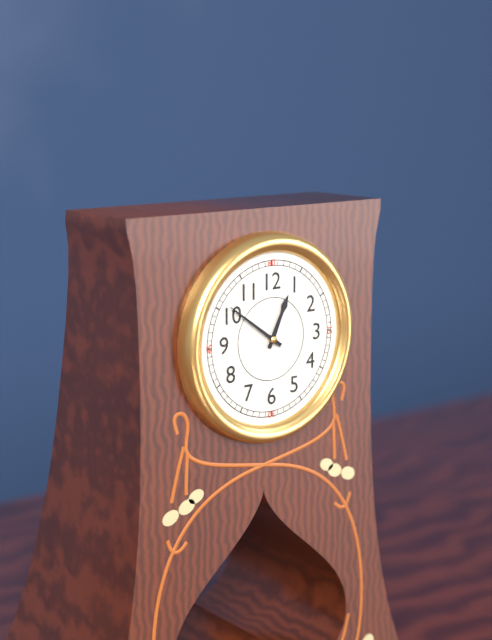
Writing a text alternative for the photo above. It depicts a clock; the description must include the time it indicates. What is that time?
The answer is 12:51
